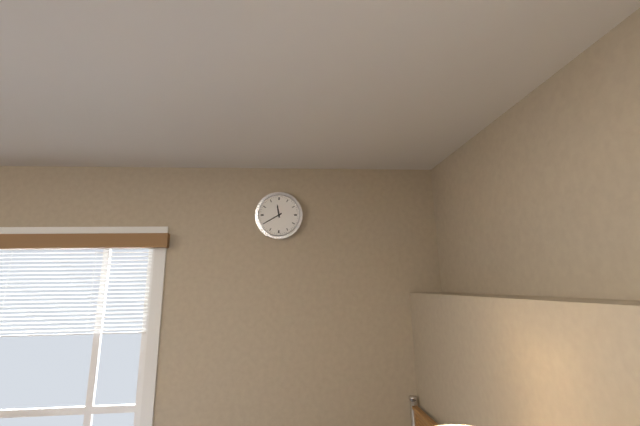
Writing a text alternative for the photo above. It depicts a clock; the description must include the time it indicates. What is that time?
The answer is 11:40
